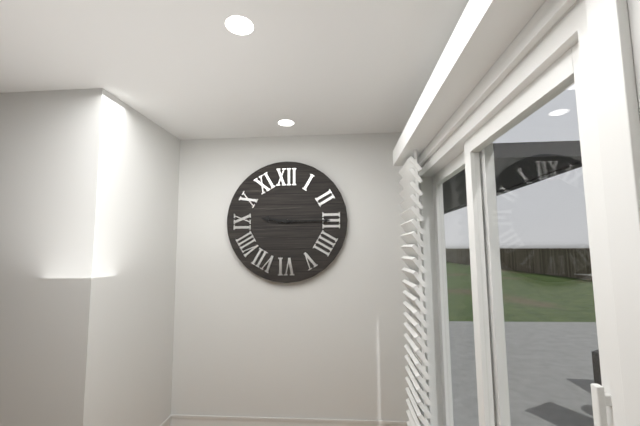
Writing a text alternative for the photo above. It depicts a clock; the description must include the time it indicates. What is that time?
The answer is 9:15
